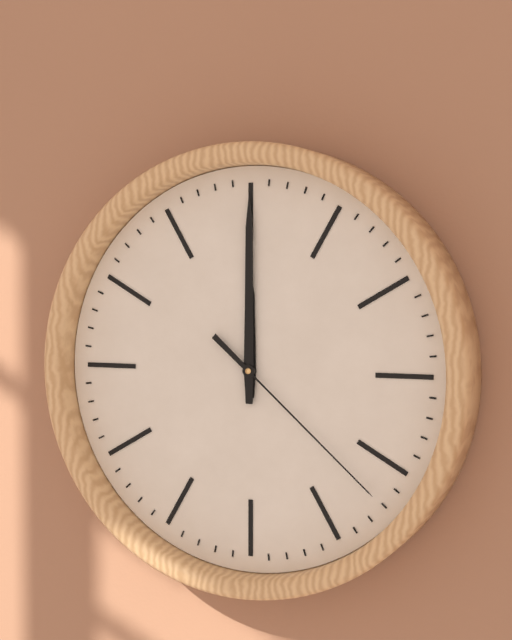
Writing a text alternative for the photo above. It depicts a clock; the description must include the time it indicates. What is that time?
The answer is 12:00:22
